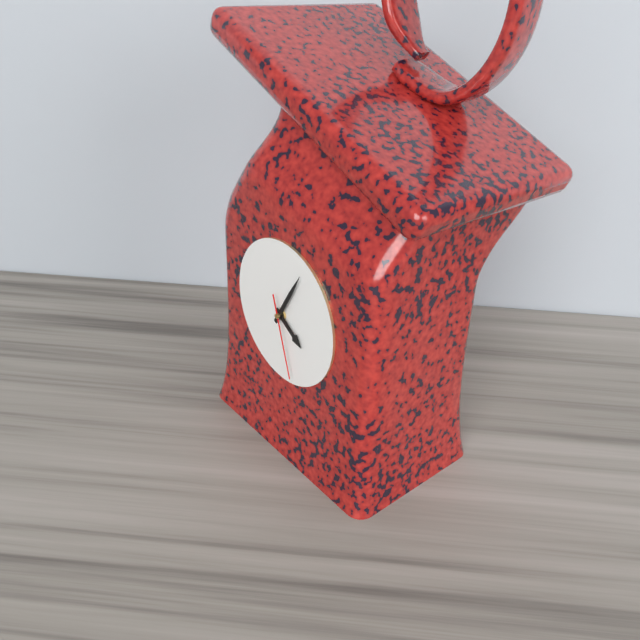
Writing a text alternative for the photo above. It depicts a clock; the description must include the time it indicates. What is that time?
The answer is 4:05:27
